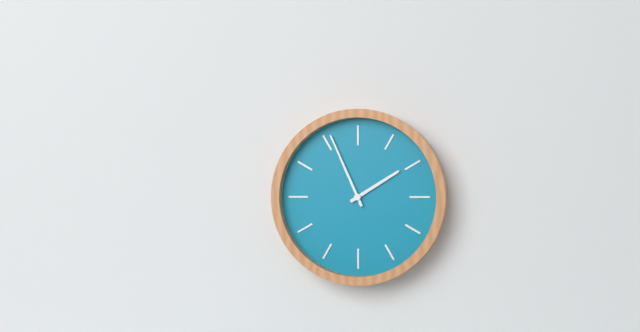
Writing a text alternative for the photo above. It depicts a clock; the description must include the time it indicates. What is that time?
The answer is 1:56
